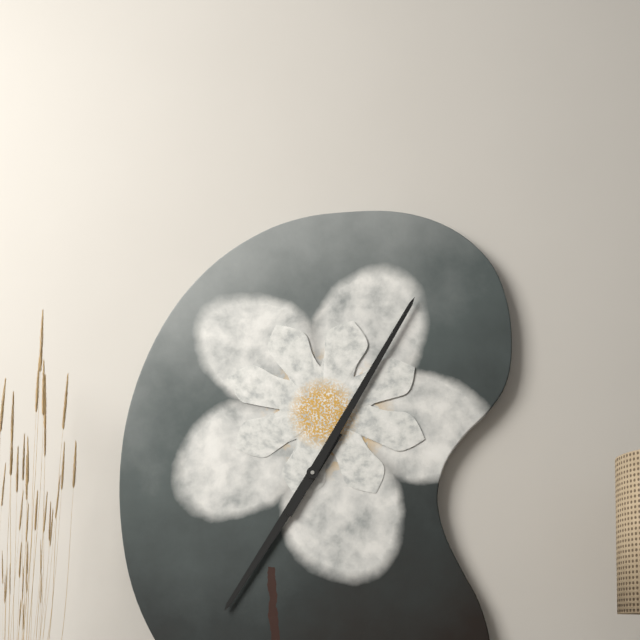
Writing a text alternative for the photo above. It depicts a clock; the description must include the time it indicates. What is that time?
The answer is 7:05
